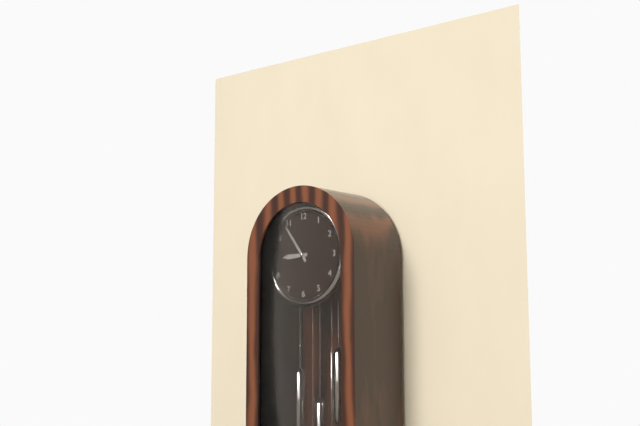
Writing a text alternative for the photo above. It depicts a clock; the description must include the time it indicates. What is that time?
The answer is 8:54
